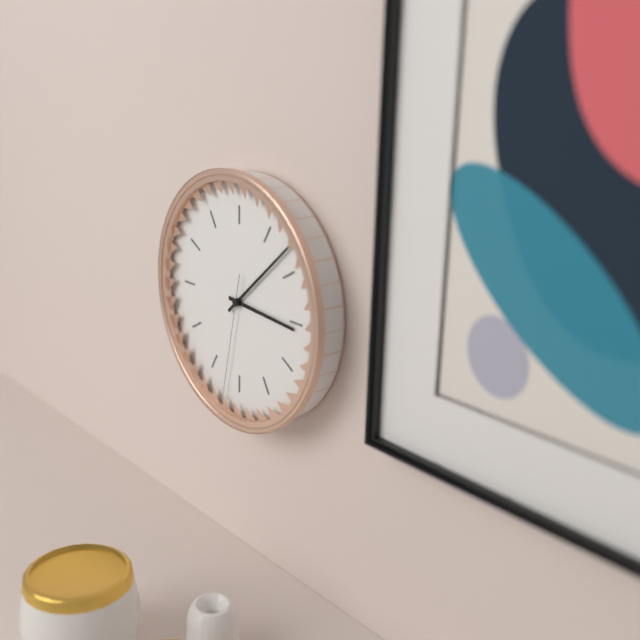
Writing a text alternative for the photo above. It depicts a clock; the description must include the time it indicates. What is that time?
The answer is 3:08:32
